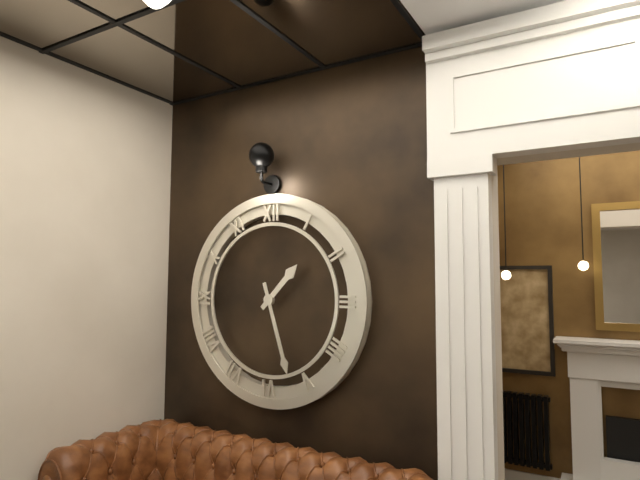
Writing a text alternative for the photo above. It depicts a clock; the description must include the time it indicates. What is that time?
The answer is 1:27
